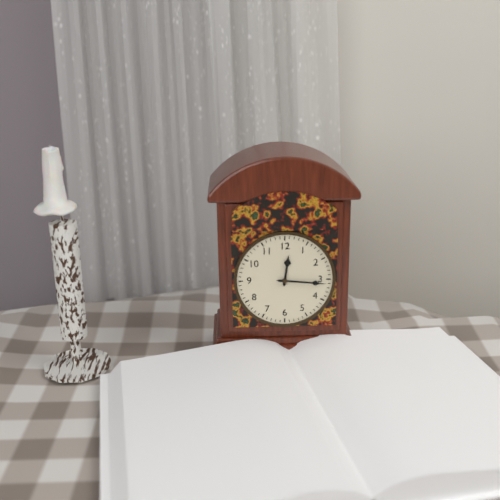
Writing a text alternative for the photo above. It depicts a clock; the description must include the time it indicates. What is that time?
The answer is 12:16
